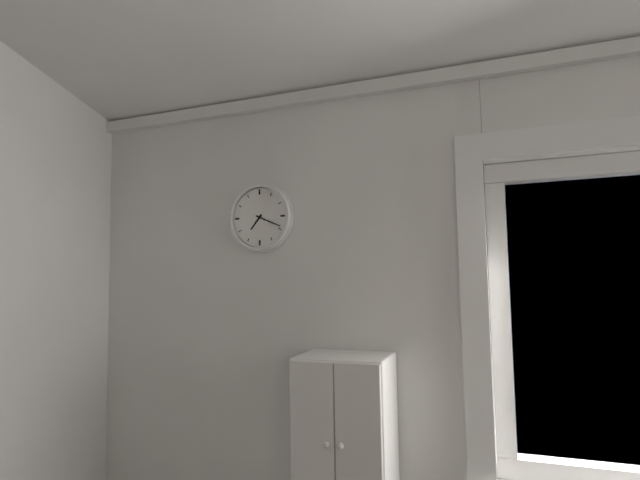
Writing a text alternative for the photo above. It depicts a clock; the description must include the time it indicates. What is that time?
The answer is 7:19
